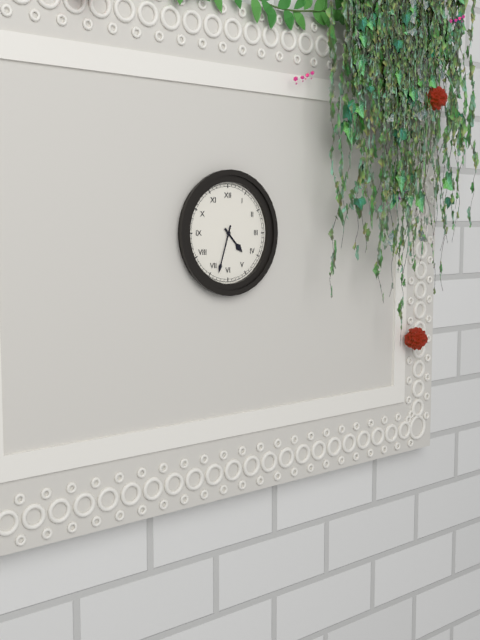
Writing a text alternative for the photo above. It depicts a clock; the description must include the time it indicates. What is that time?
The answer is 4:33
